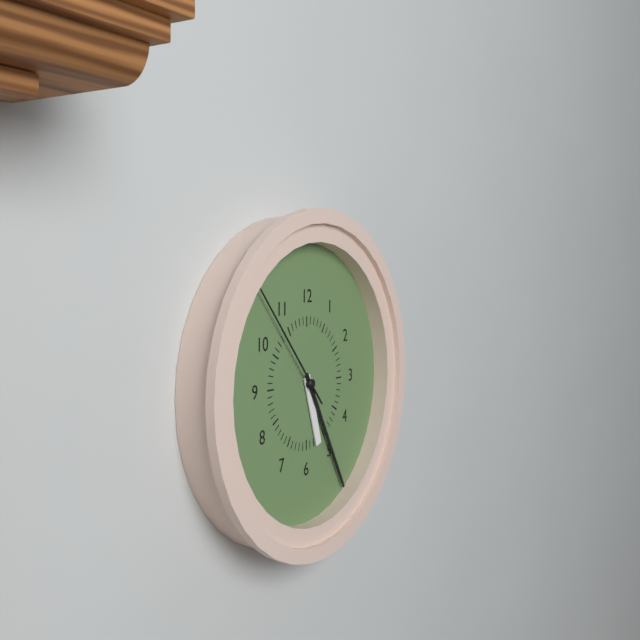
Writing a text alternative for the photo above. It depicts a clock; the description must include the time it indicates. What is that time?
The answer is 5:25:53
